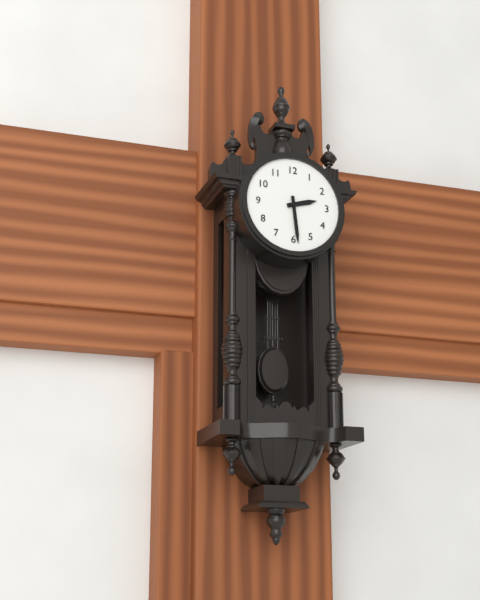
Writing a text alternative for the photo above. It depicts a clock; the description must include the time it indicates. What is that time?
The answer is 2:29
